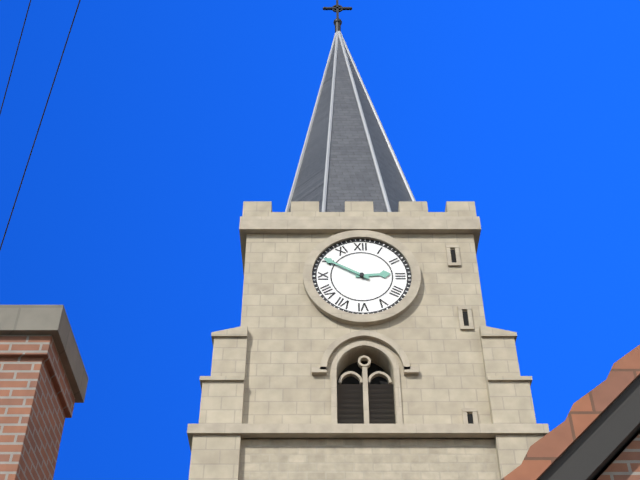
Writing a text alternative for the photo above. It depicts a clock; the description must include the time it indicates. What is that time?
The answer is 2:50
